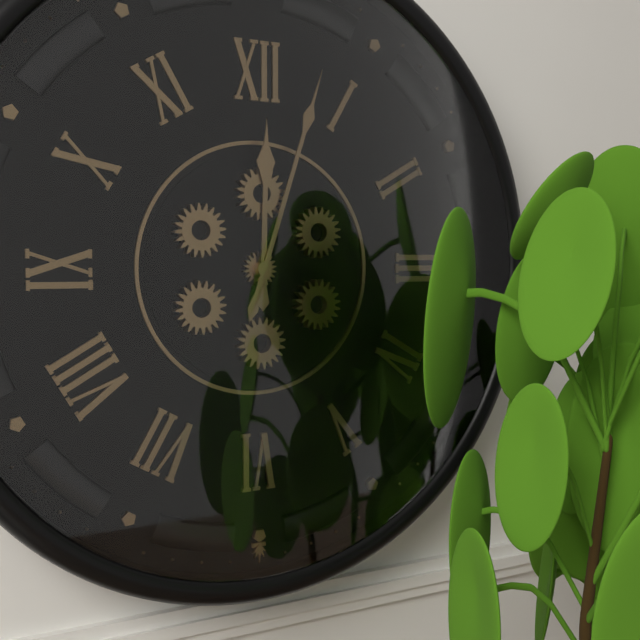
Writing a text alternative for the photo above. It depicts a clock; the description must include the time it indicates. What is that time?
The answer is 12:03
